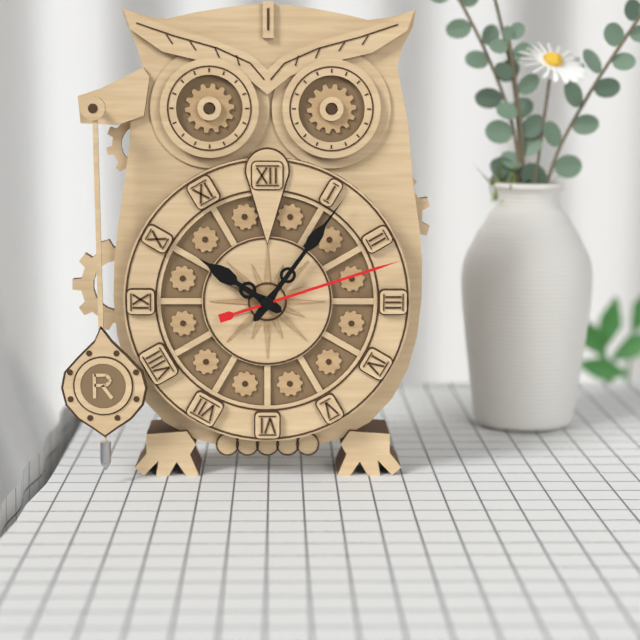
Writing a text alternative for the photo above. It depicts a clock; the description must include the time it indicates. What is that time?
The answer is 10:06:12
